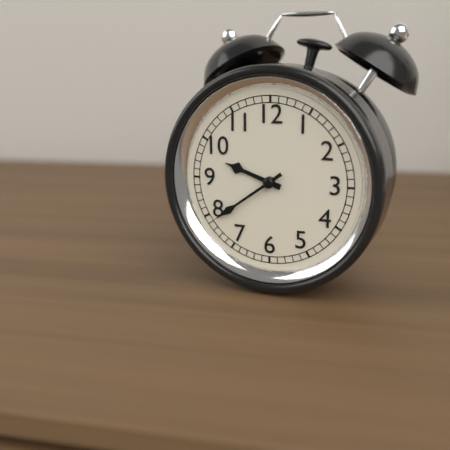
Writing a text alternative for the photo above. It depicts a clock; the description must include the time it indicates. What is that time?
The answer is 9:39
